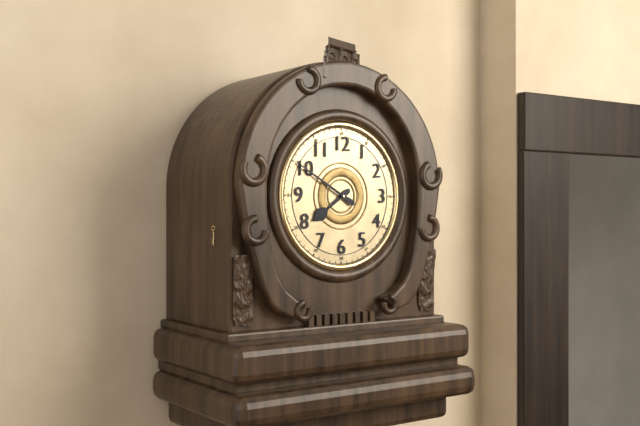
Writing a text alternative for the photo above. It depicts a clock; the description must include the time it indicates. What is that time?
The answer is 7:50
